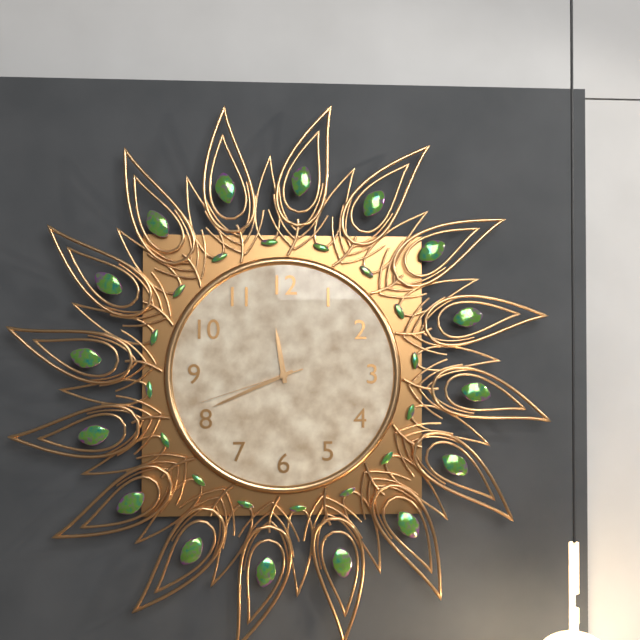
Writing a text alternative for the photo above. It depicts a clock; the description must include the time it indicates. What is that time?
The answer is 11:41:42
